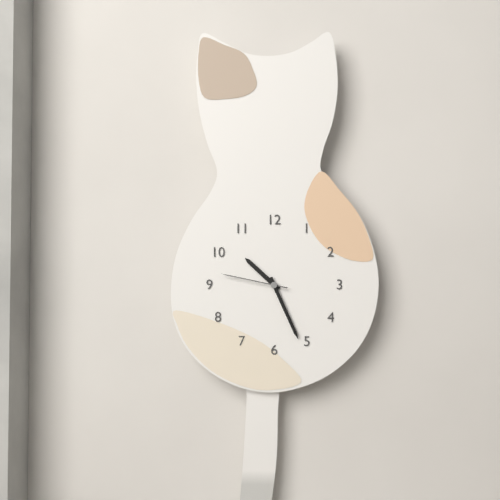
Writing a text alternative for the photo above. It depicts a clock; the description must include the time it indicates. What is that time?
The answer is 10:26:47
